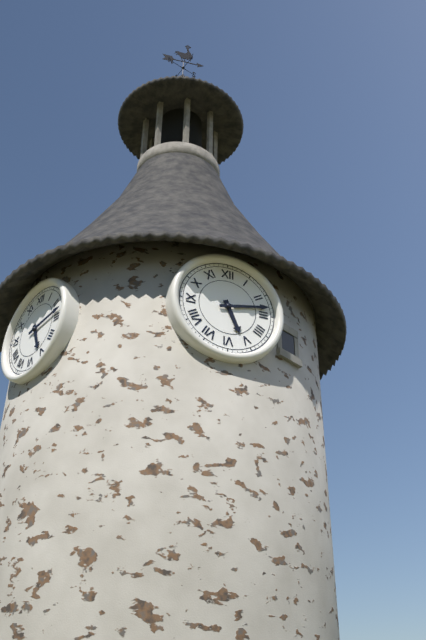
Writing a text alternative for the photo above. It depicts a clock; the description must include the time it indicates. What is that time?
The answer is 5:13
